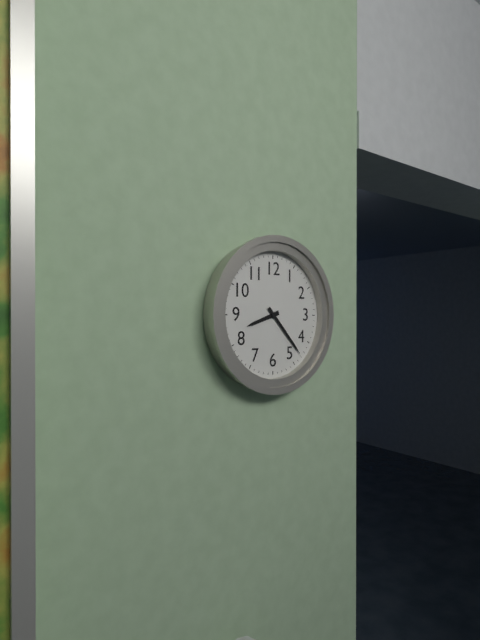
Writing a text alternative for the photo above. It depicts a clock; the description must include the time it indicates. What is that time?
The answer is 8:23
